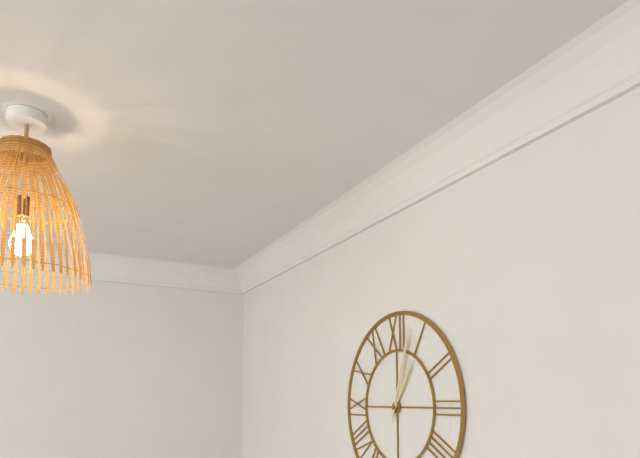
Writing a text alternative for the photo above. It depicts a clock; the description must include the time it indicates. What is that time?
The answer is 1:03
